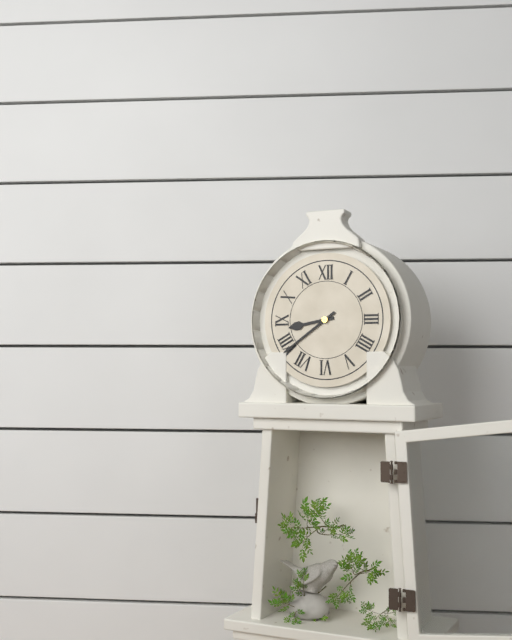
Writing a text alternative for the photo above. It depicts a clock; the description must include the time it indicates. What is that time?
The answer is 8:39
